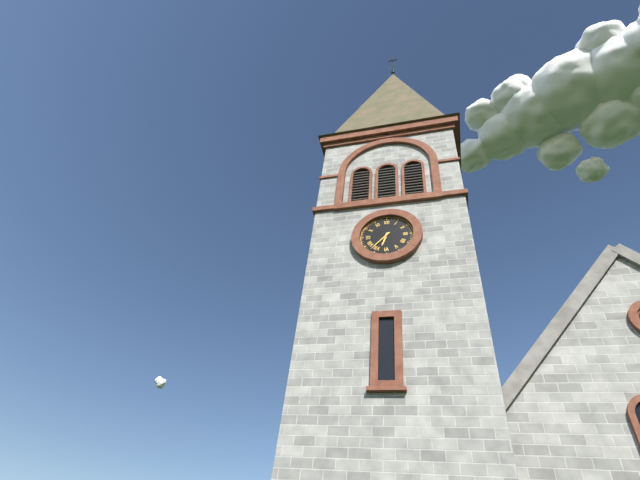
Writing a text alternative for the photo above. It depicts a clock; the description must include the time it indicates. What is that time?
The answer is 6:37
